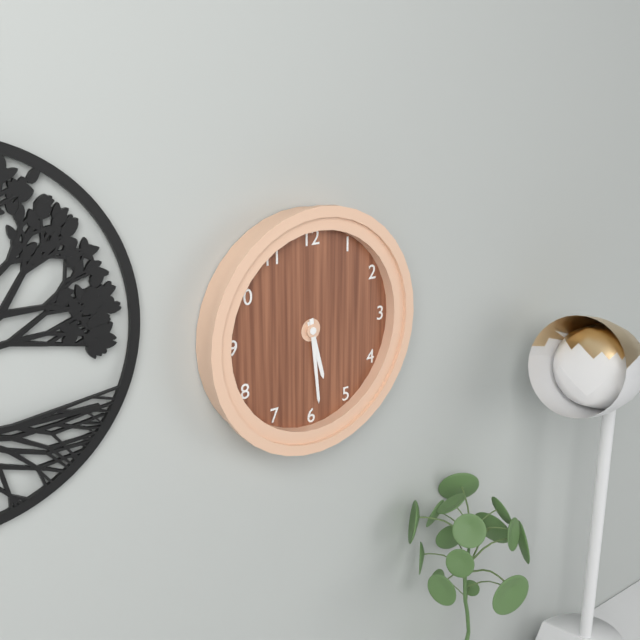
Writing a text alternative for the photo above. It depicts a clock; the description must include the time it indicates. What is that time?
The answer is 5:29
